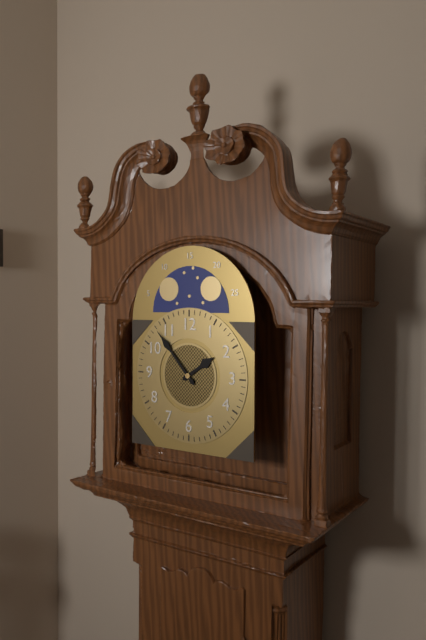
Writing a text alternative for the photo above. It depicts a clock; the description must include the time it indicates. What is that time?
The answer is 1:53
